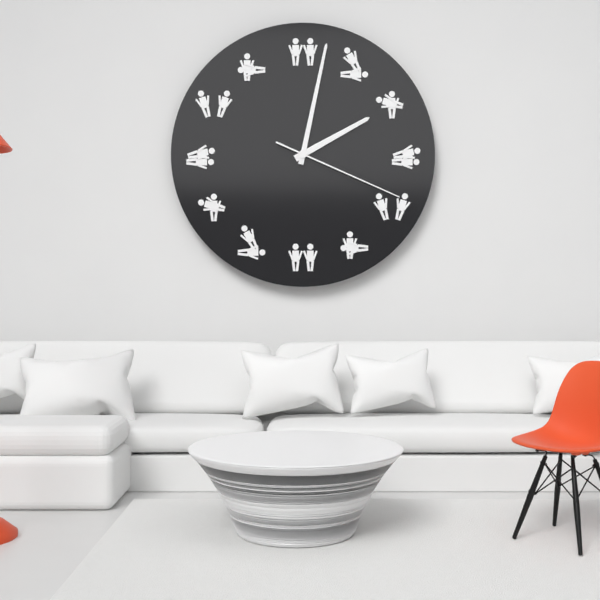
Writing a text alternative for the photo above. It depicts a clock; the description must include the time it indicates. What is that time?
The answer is 2:02:19
